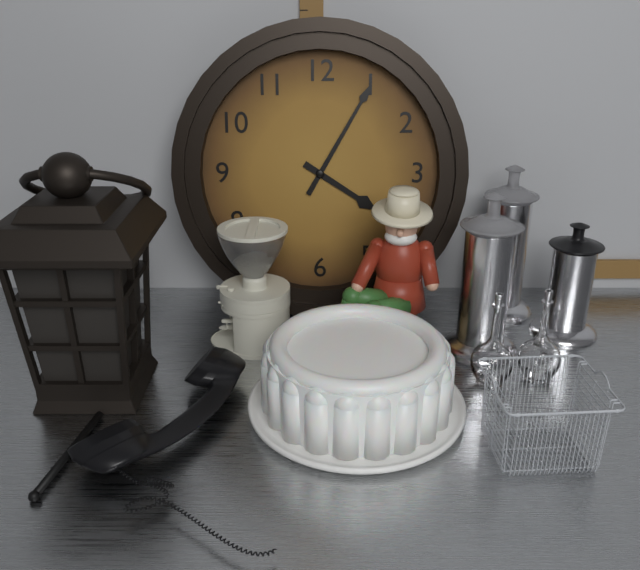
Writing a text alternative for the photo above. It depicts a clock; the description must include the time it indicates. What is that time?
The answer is 4:05
